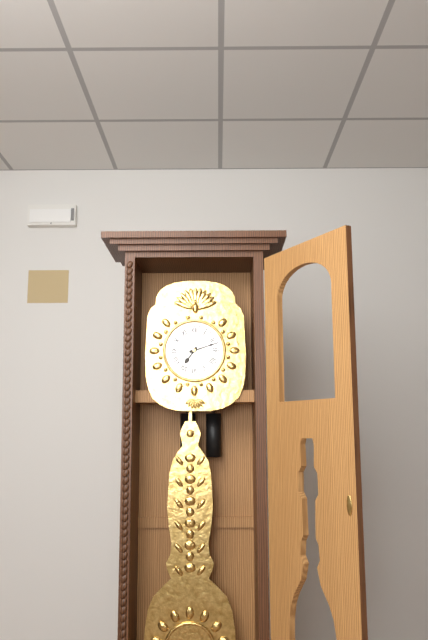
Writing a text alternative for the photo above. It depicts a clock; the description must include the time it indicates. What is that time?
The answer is 7:12
